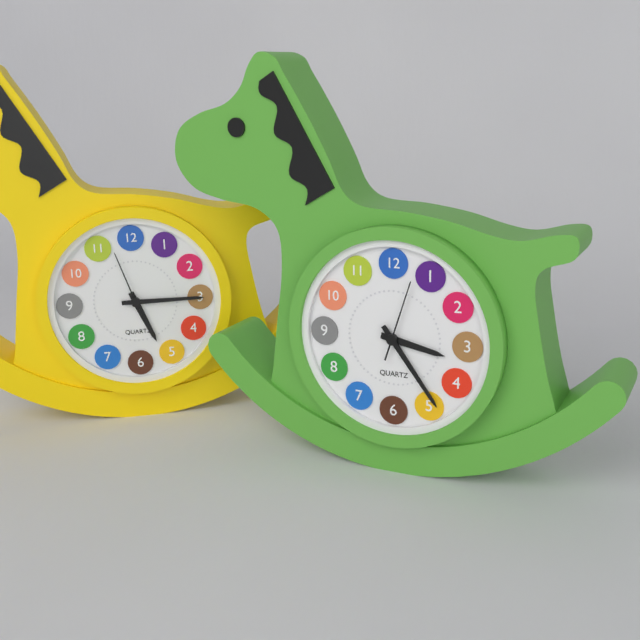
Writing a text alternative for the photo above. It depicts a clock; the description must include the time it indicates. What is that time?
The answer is 3:24:03
